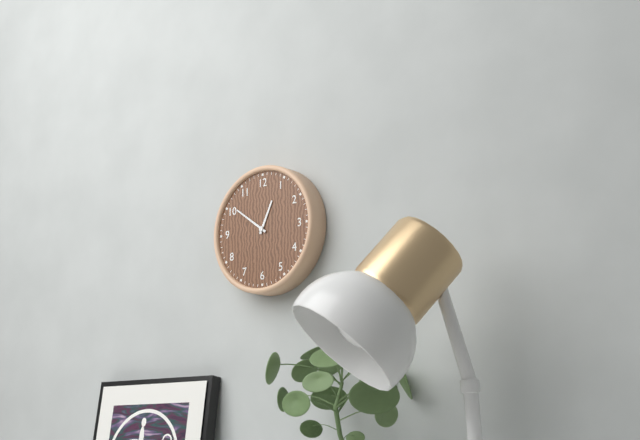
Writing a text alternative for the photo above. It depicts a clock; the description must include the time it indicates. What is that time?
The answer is 12:51
